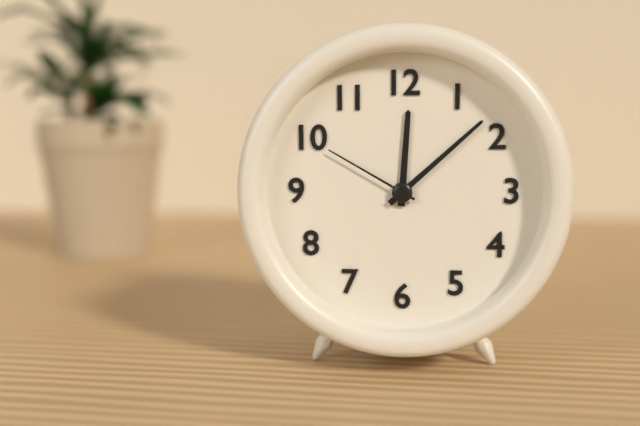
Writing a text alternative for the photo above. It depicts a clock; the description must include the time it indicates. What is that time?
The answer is 12:08:50
